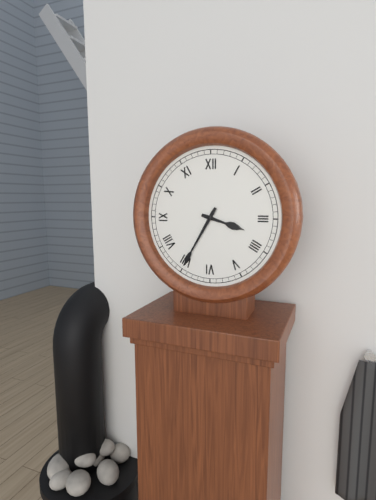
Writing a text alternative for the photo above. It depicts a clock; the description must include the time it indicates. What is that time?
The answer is 3:35
